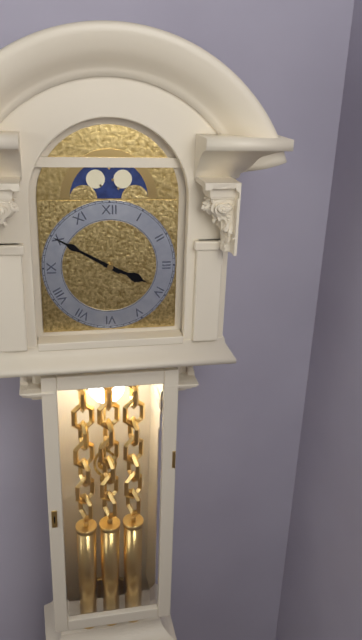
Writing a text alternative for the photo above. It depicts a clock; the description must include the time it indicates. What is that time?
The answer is 3:50
